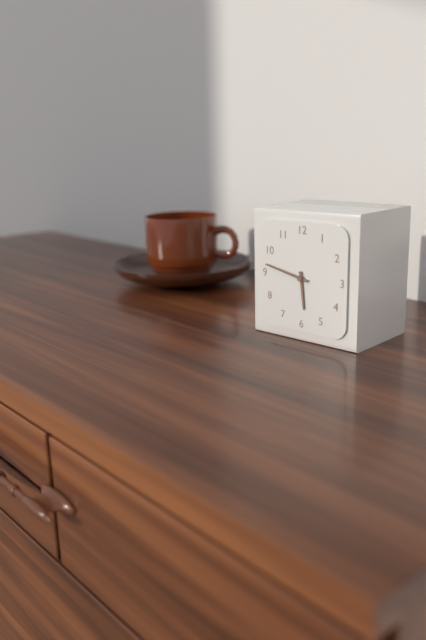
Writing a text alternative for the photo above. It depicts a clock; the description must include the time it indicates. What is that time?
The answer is 5:47
